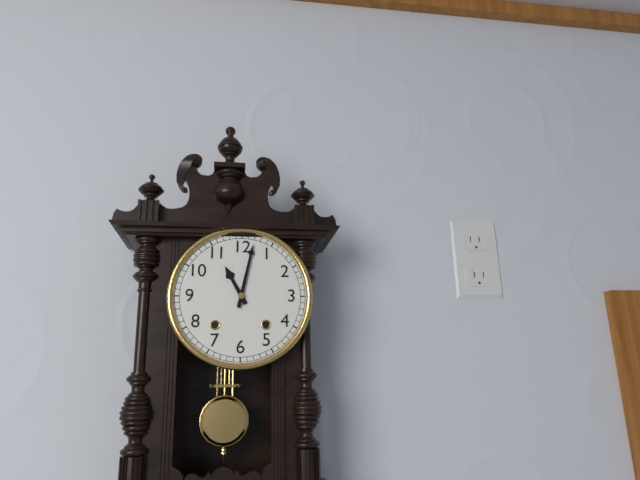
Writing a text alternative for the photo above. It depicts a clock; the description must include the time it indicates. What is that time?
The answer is 11:02
